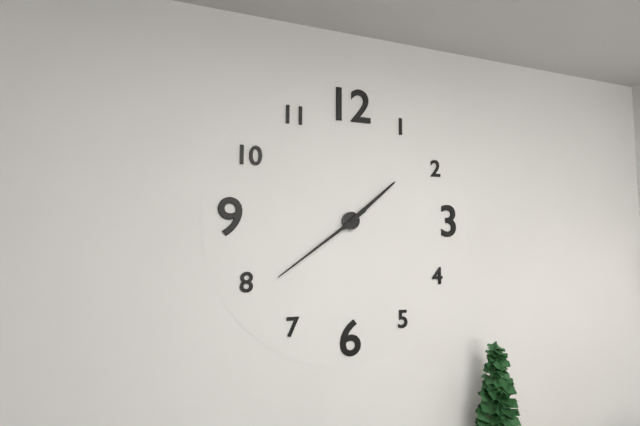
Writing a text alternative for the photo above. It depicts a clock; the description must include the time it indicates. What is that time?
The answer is 1:39
